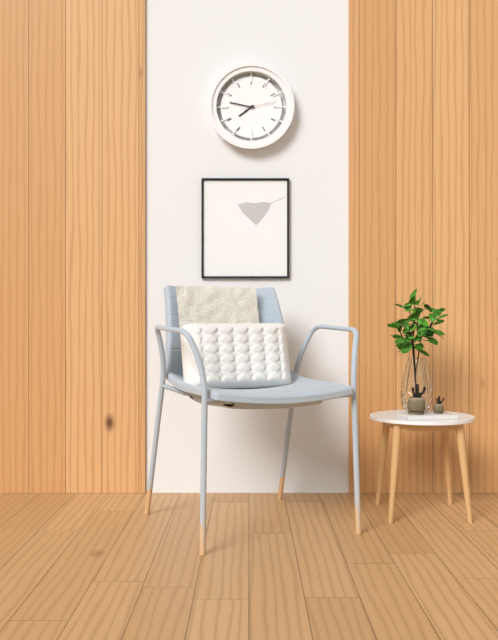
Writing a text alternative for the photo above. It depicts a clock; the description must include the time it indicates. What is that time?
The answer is 7:47
